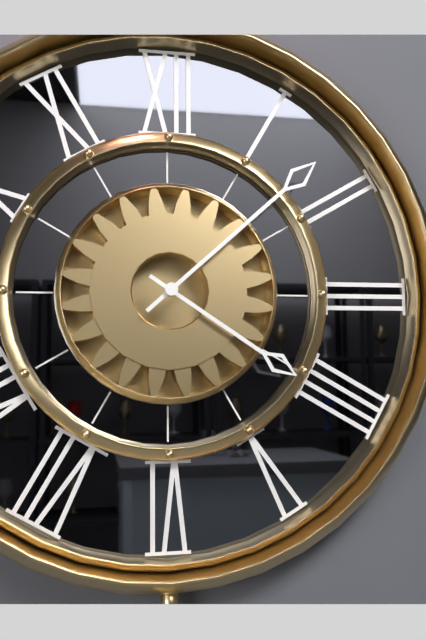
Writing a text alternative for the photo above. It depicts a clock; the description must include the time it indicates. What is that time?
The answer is 4:08
